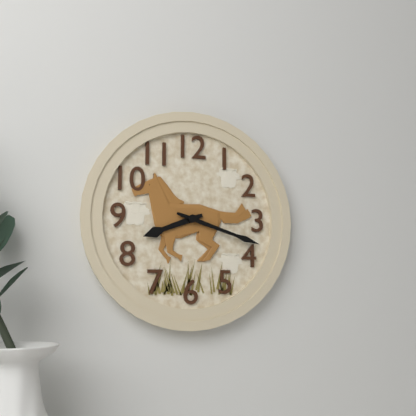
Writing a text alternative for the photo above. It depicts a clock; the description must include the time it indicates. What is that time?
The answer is 8:18
